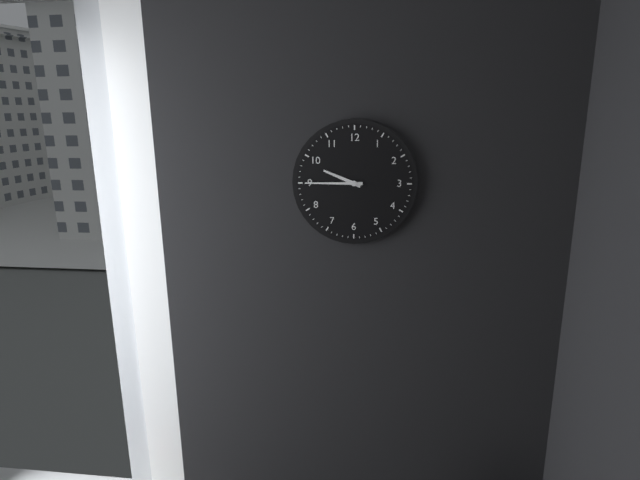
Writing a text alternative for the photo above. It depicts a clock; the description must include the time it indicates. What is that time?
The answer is 9:45
